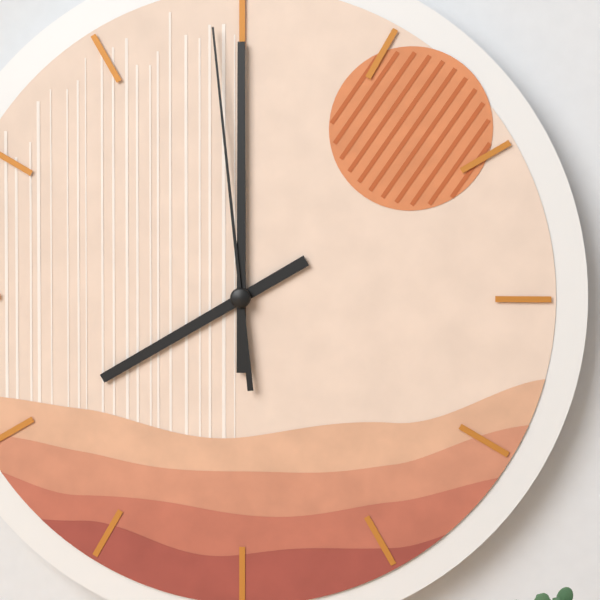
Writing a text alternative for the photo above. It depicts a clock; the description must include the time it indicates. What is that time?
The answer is 8:00:59
